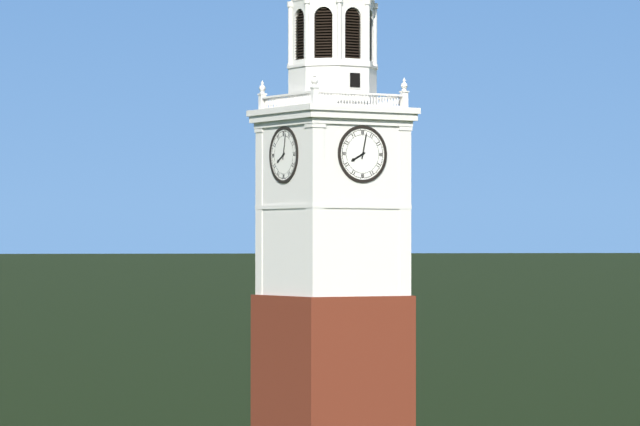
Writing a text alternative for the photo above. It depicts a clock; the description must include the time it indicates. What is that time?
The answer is 8:02
